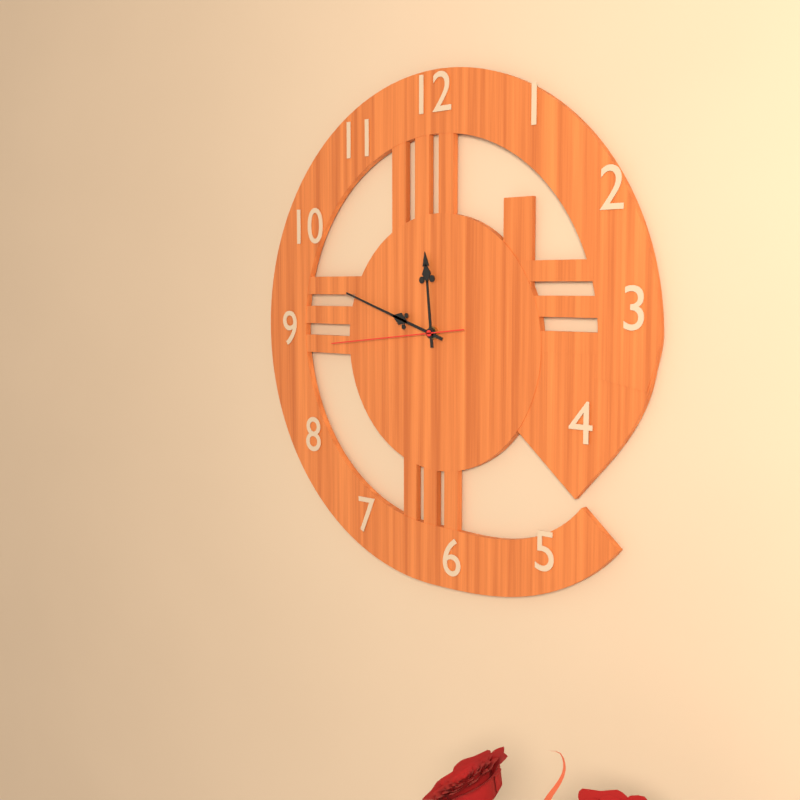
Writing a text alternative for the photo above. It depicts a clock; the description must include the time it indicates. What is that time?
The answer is 11:48:44
